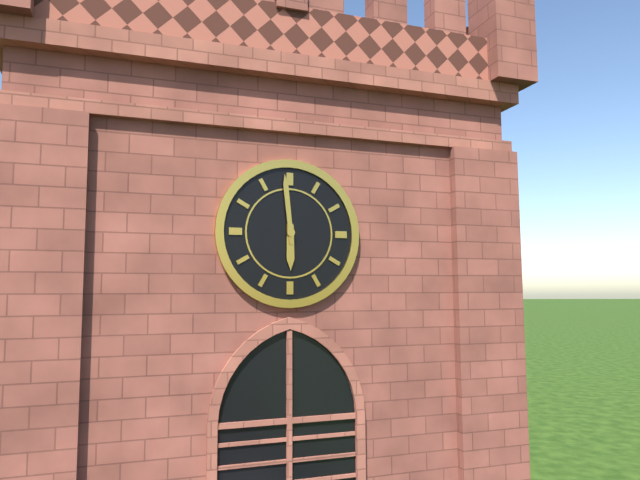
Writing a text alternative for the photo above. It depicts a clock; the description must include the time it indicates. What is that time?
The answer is 5:59
